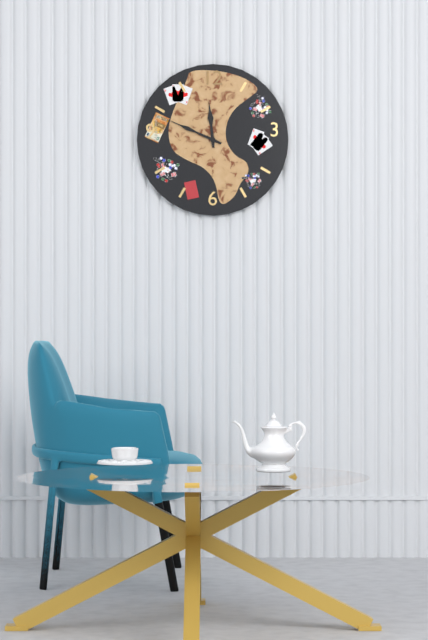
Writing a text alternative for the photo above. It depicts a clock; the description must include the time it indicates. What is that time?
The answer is 11:49
